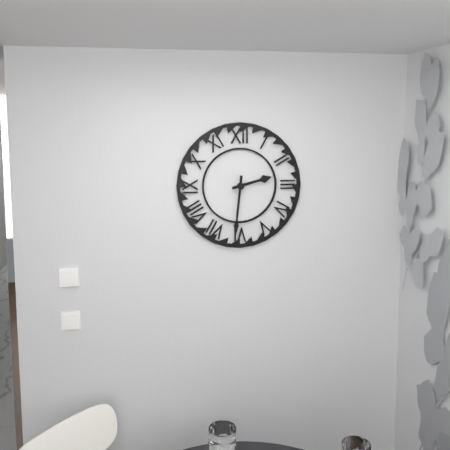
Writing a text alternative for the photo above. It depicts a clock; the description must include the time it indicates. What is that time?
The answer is 2:31
